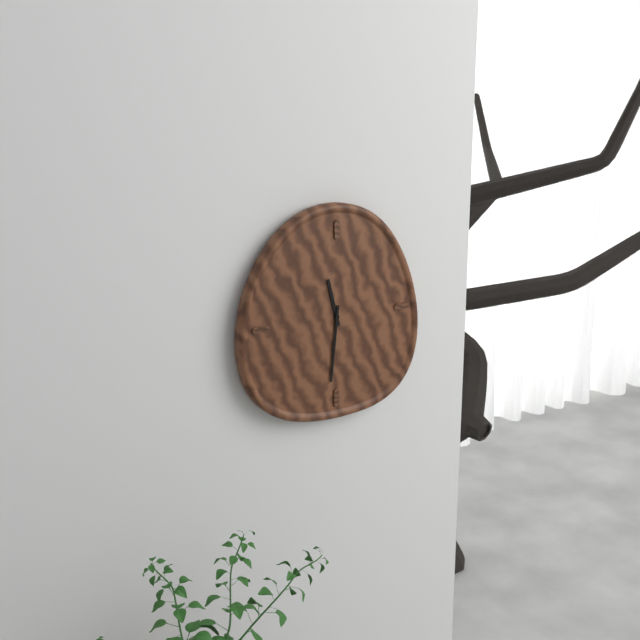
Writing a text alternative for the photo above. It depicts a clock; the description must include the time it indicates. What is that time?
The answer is 11:31
